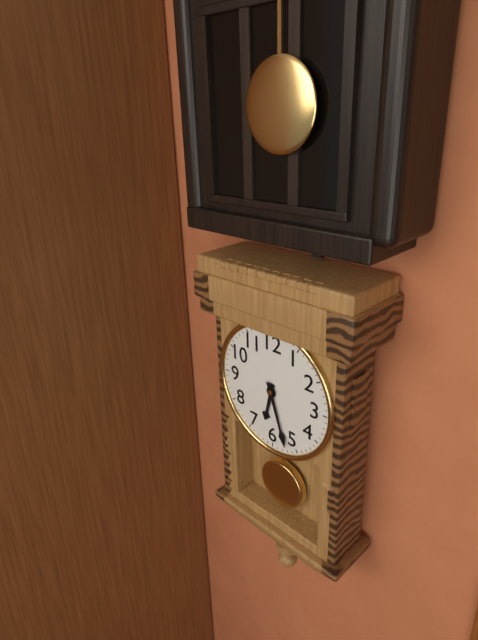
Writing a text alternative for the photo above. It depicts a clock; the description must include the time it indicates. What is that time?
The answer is 6:27
